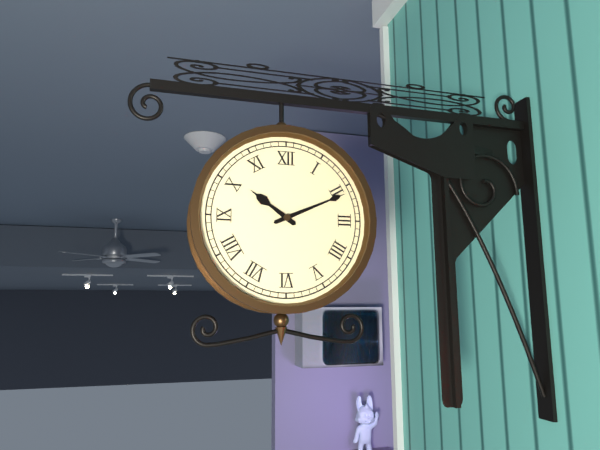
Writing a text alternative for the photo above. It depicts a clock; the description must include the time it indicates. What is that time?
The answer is 10:11
